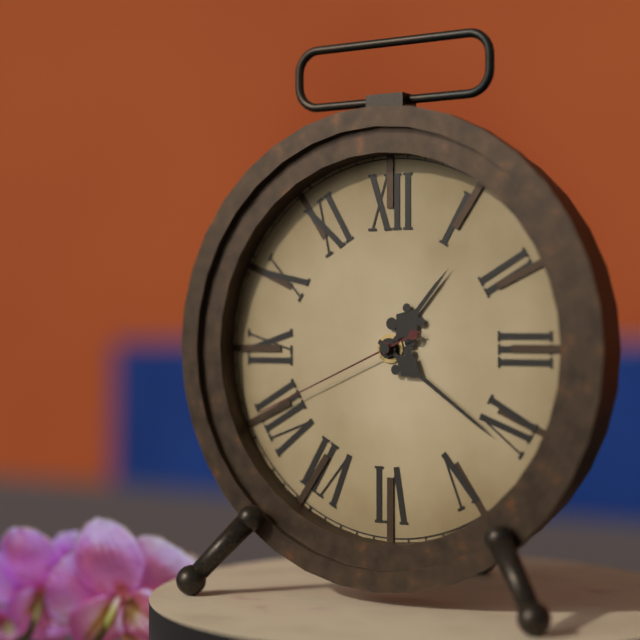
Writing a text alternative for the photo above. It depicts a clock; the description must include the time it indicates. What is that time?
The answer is 1:21:41
